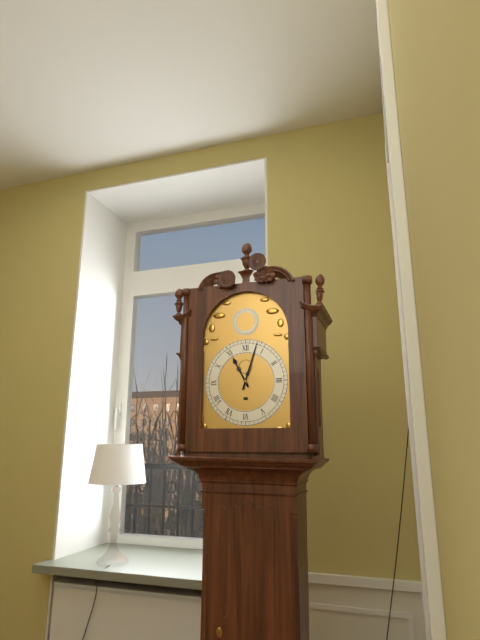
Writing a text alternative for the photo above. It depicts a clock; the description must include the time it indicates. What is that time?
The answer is 11:03
